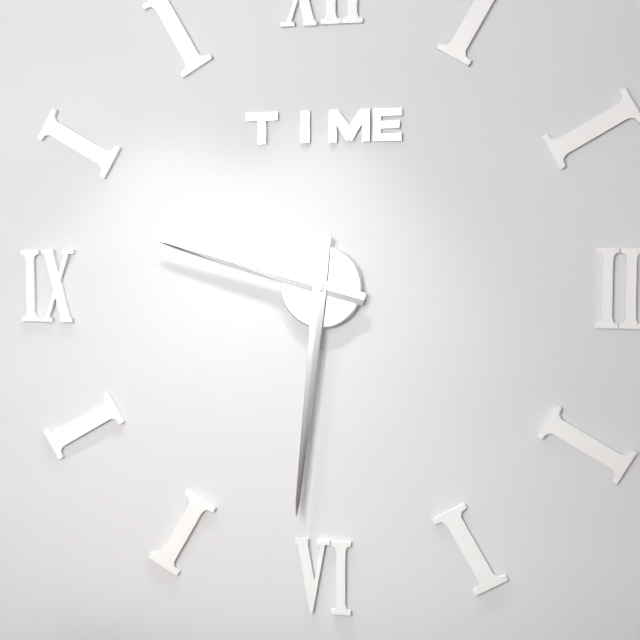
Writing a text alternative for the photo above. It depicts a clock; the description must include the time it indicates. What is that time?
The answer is 9:31
